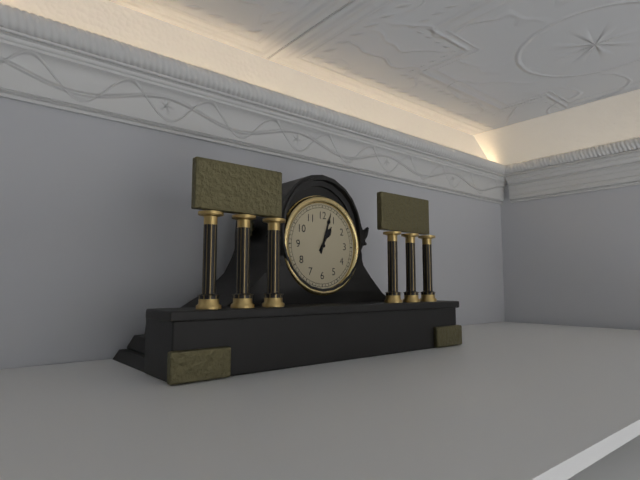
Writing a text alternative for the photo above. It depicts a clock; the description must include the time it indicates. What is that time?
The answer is 1:03
